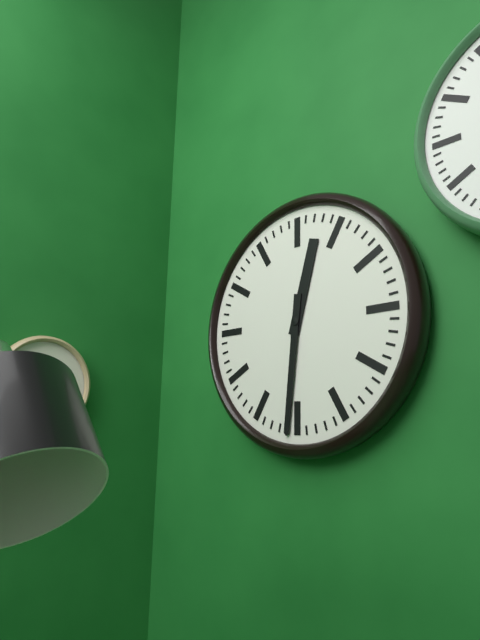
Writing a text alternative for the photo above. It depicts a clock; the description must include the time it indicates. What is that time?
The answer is 12:31
